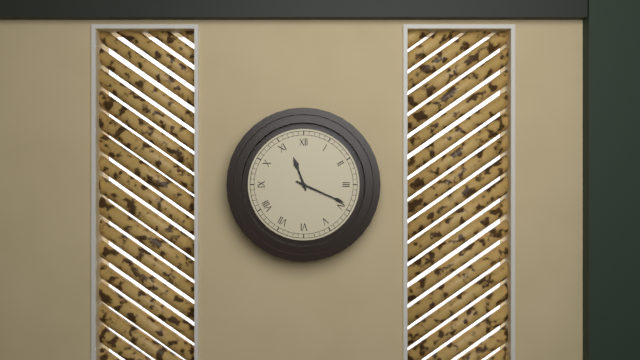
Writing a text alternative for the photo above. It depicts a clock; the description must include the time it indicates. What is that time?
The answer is 11:19
